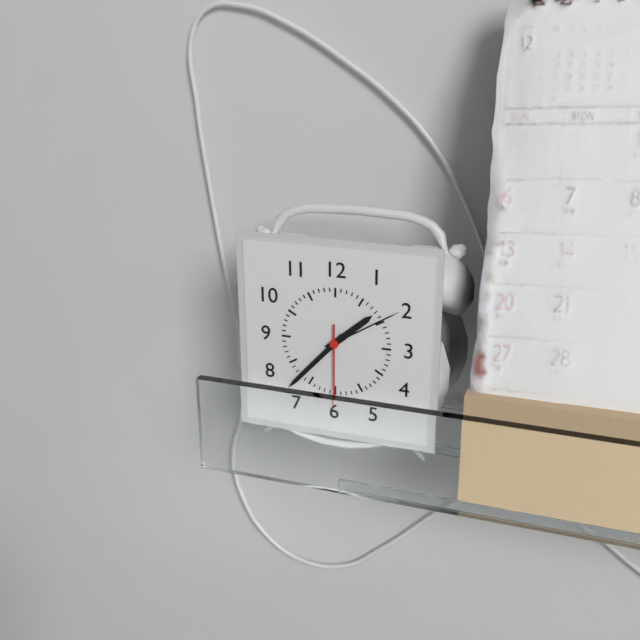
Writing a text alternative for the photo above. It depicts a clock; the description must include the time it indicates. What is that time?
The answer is 1:37:30
